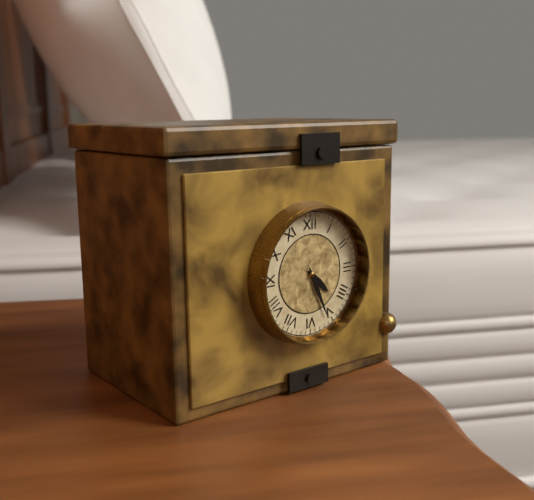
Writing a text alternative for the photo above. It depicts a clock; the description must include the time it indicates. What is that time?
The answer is 4:26
